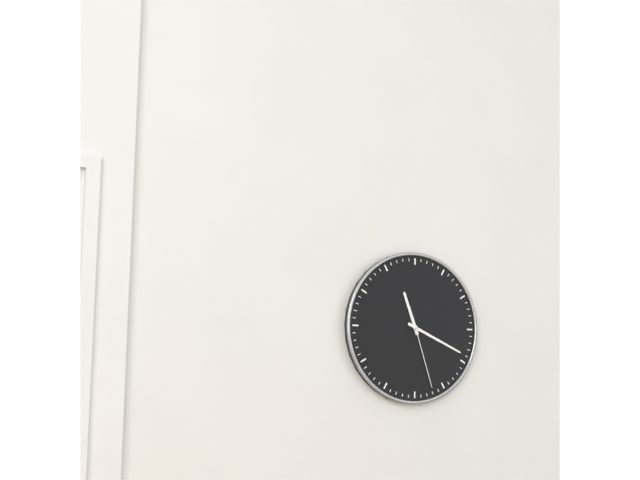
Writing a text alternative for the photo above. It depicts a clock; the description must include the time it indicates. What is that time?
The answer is 11:19:27
